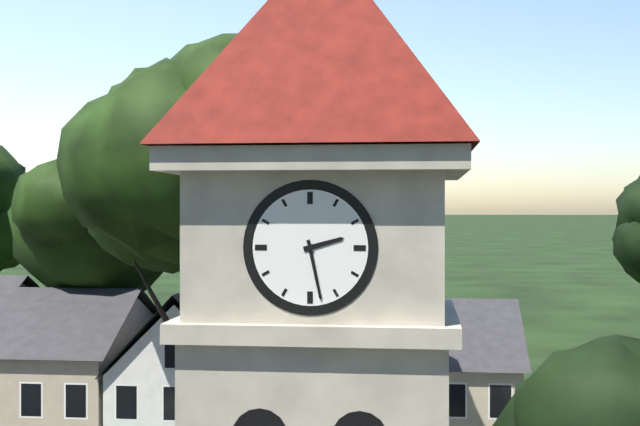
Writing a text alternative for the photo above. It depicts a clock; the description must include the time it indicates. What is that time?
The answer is 2:28
